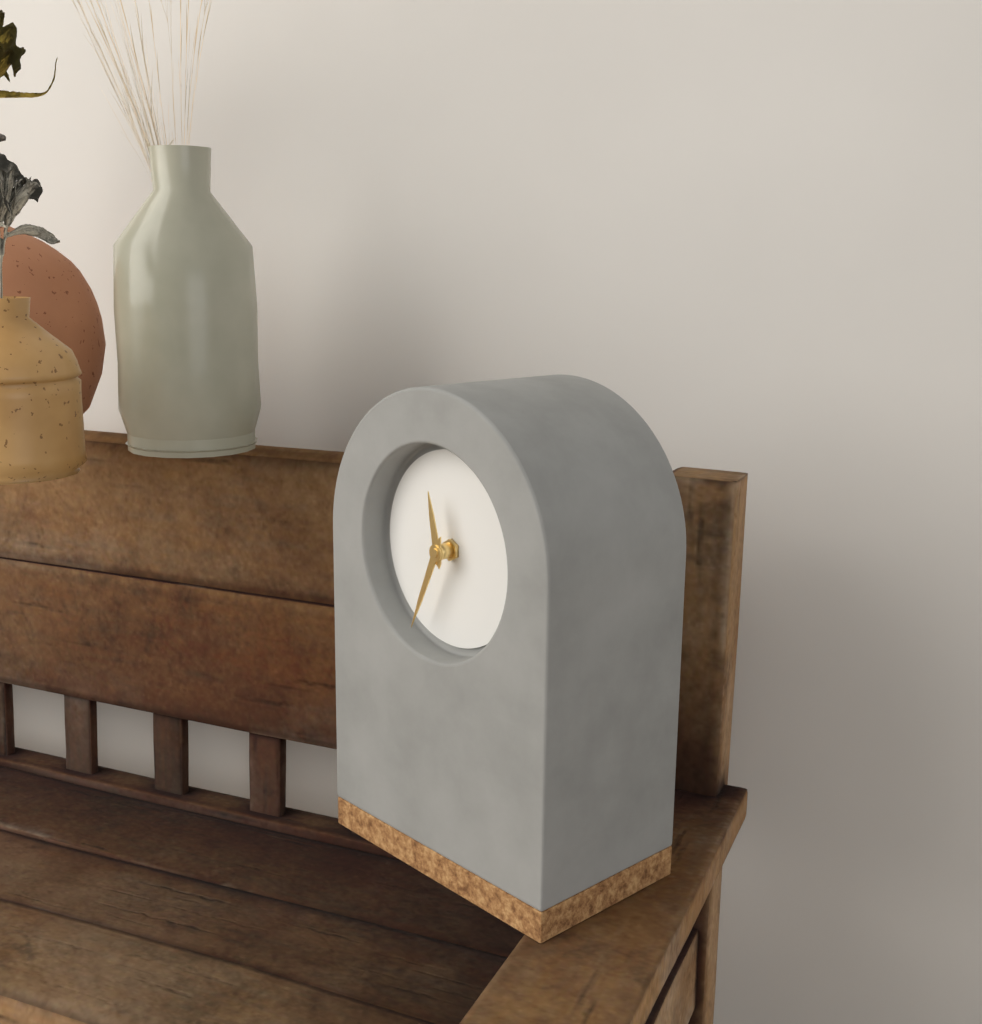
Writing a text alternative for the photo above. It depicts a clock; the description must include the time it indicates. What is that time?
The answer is 11:34
